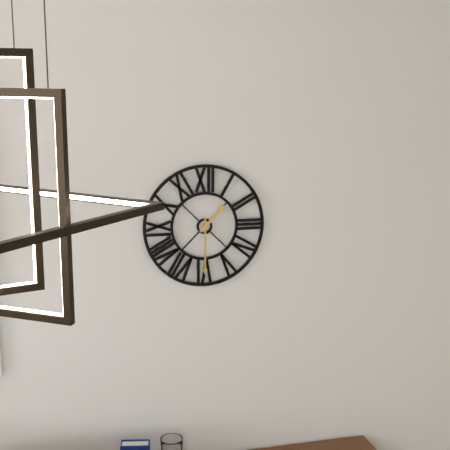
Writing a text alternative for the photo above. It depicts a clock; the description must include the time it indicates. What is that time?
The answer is 1:30
